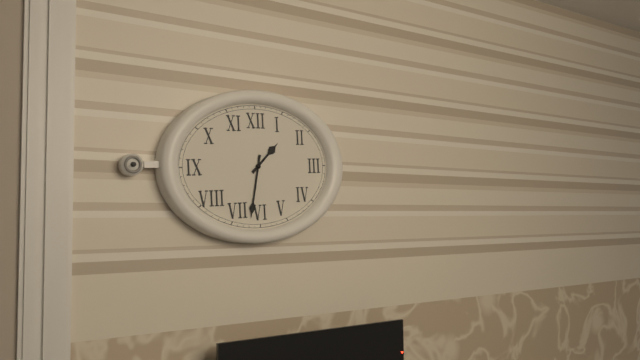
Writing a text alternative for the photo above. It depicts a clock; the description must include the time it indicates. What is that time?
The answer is 1:32
